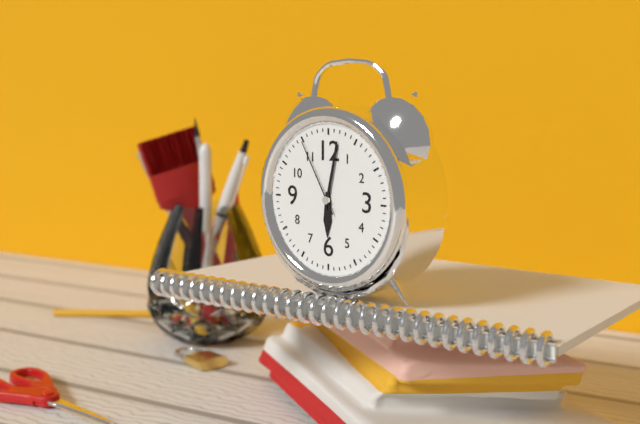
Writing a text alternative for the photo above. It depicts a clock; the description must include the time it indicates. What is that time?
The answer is 6:02:55
